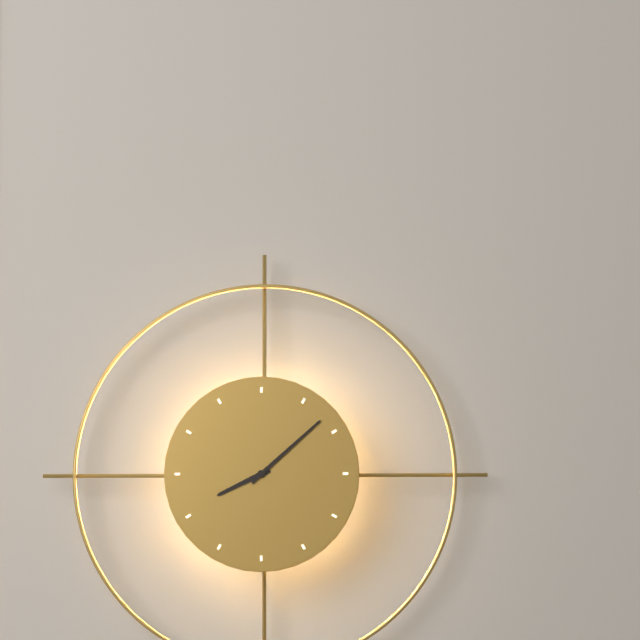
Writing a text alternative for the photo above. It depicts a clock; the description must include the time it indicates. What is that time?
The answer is 8:08
